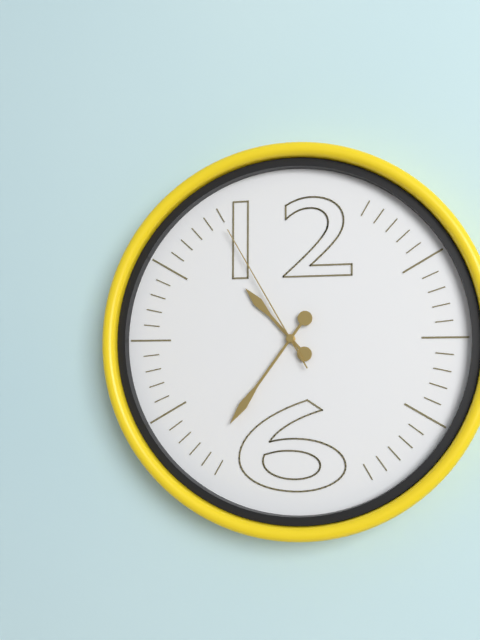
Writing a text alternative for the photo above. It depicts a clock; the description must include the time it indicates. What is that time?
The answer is 10:36:55
